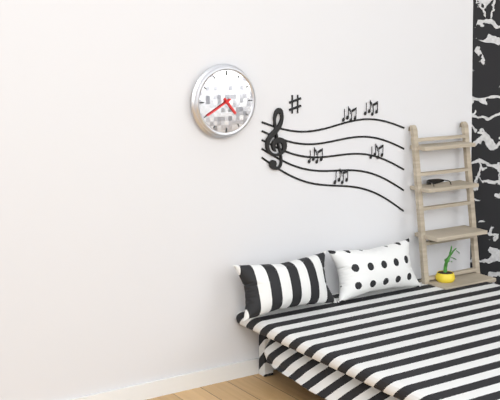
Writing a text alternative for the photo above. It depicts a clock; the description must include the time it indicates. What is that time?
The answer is 4:40
